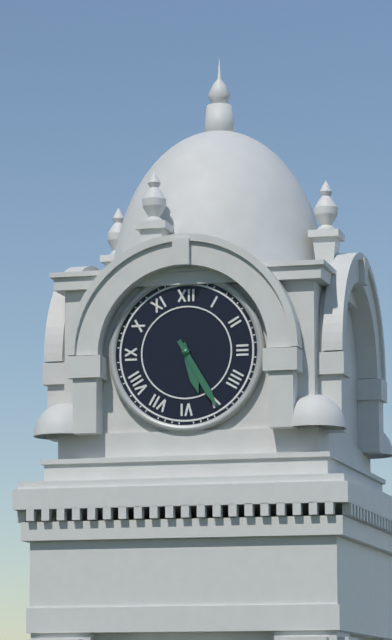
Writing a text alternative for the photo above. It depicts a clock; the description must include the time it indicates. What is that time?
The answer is 5:25
